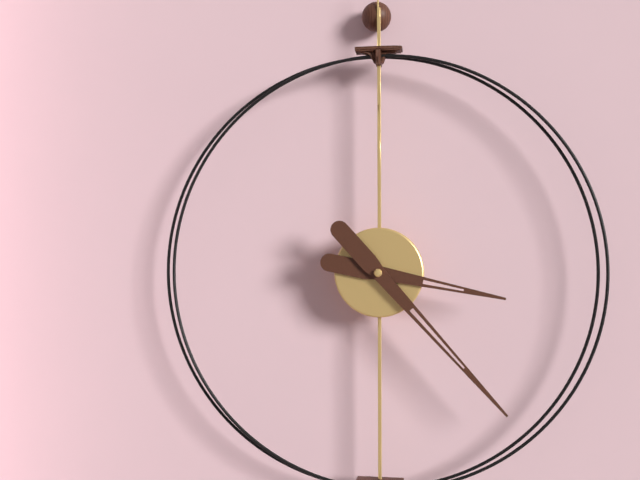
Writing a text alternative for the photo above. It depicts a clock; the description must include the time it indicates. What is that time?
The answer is 3:23
